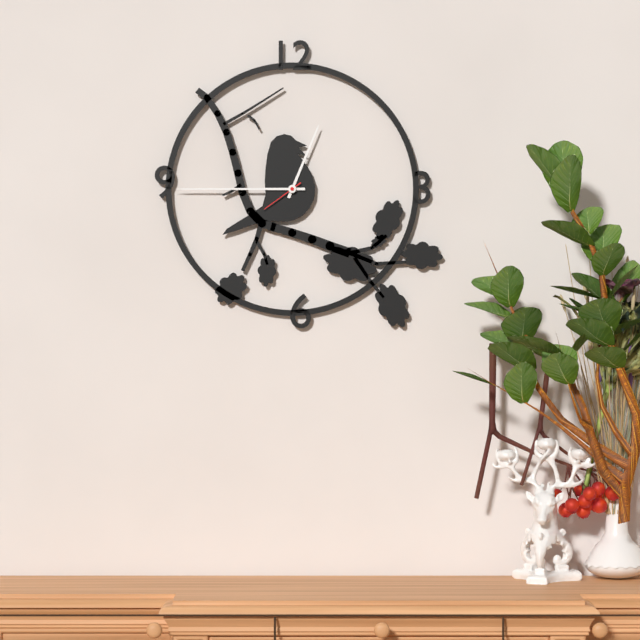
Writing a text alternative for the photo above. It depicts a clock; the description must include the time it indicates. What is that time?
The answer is 12:45
